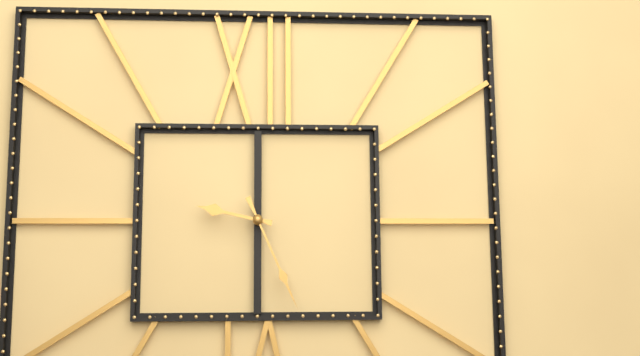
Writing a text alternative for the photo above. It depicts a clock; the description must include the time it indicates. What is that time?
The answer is 9:26
